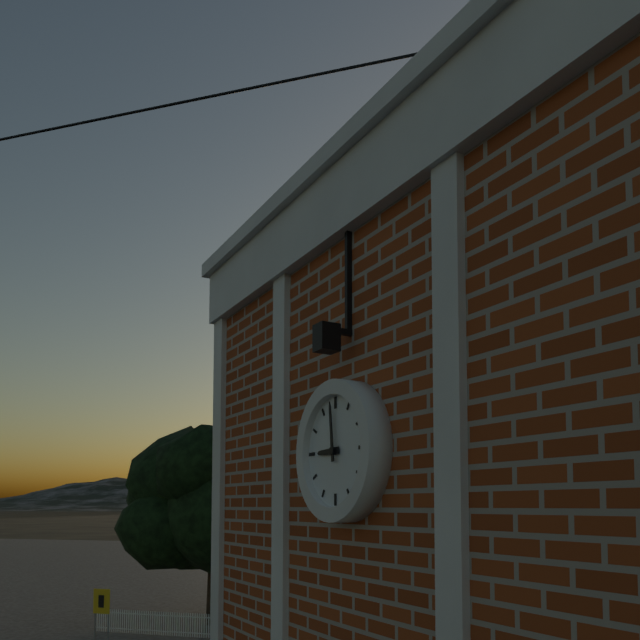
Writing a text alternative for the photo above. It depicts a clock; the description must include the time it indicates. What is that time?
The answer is 8:59
